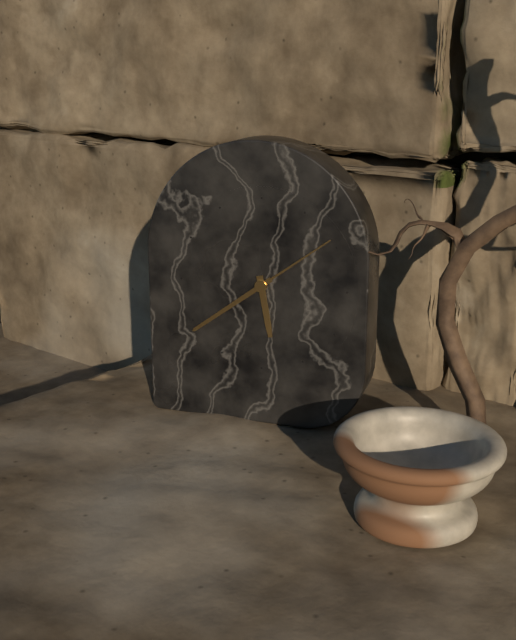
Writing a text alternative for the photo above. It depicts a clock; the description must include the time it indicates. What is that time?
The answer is 5:39:09
